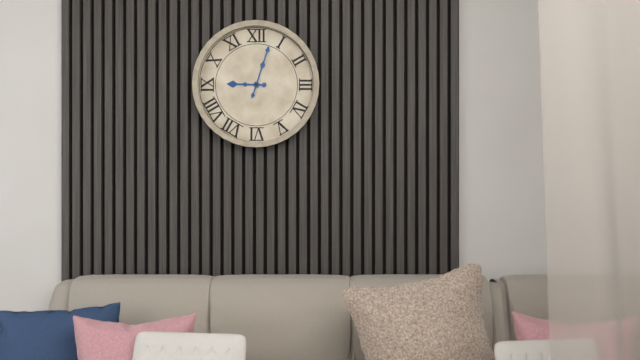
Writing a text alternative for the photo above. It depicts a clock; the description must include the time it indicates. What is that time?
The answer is 9:03
